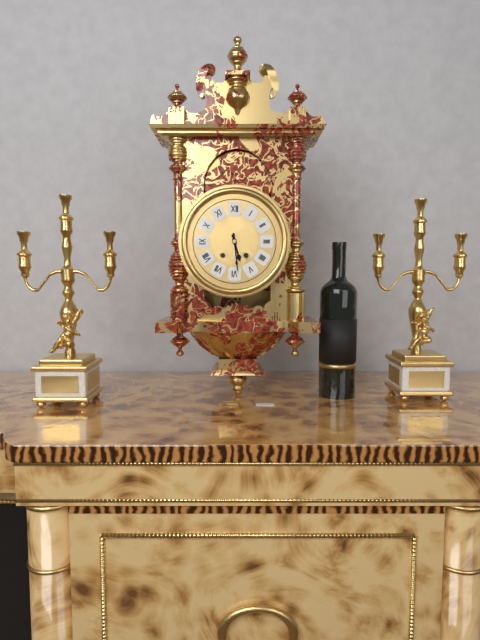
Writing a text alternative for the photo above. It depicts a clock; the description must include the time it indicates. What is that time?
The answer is 5:29
